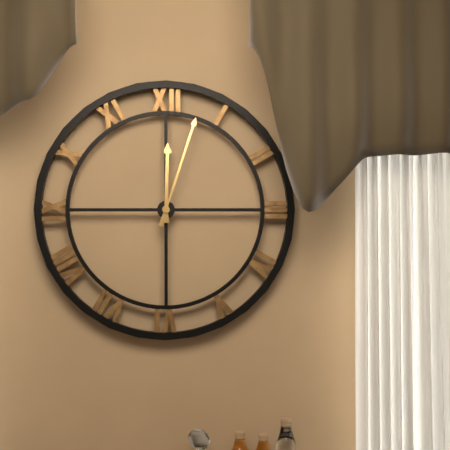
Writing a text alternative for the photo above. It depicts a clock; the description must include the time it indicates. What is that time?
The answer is 12:03
